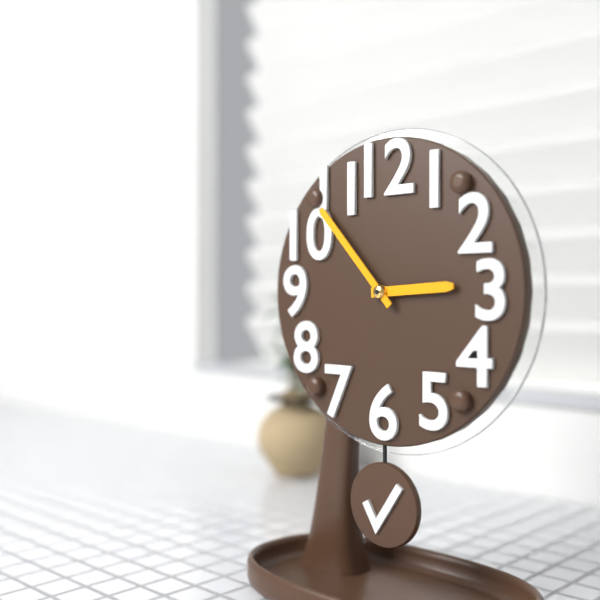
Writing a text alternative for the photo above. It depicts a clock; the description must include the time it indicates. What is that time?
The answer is 2:53
